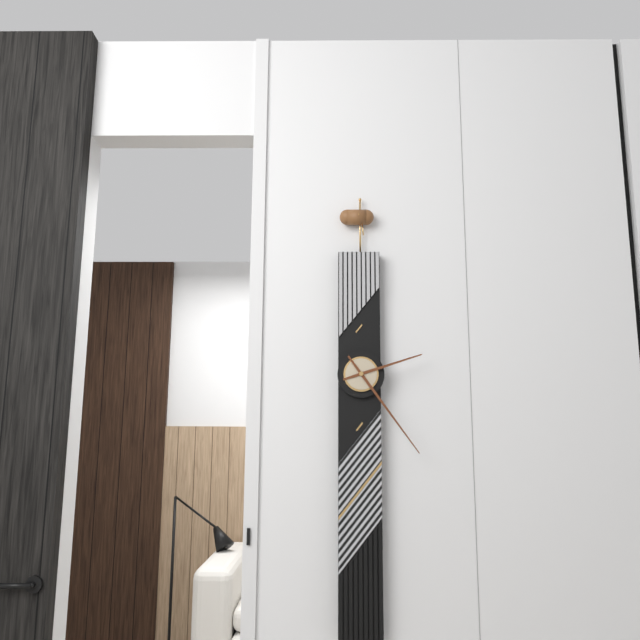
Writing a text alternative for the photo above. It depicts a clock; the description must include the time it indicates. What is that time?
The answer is 2:24
